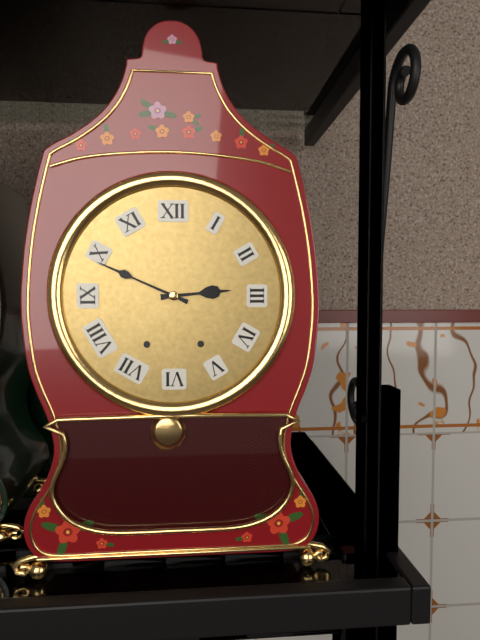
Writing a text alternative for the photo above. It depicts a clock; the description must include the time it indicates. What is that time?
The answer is 2:49
